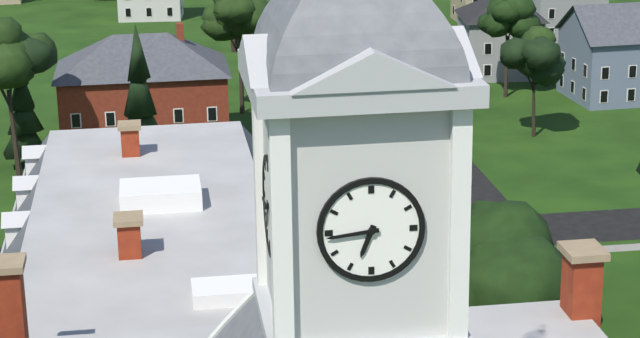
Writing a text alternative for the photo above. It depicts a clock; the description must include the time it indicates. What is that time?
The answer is 6:44
